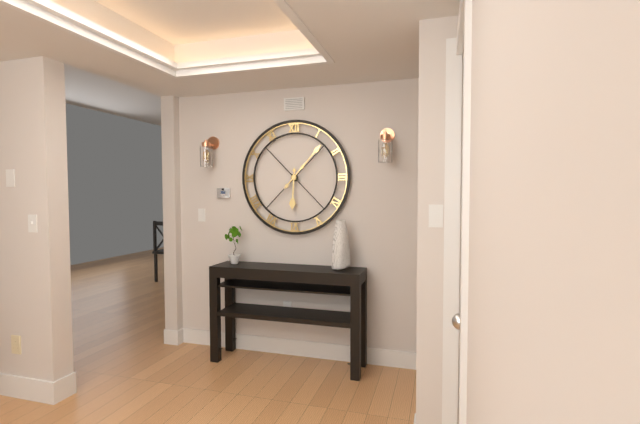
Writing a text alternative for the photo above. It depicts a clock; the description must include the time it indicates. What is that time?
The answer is 6:07
